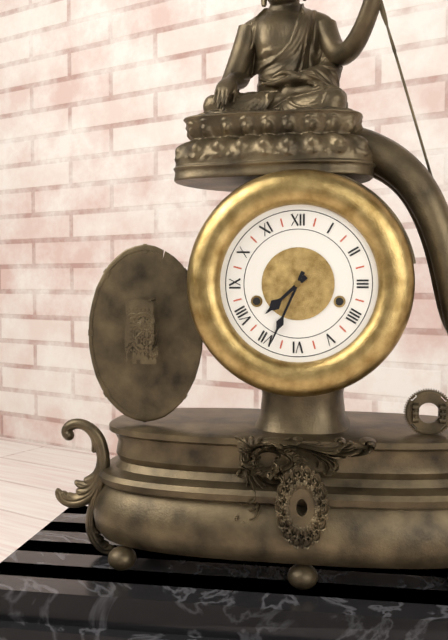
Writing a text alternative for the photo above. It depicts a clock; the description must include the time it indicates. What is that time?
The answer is 7:34
